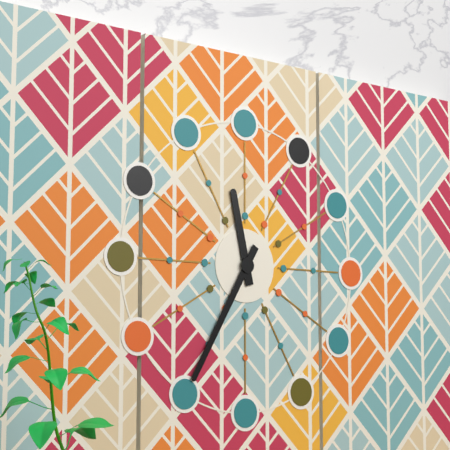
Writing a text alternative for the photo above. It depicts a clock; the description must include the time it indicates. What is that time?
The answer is 11:35
